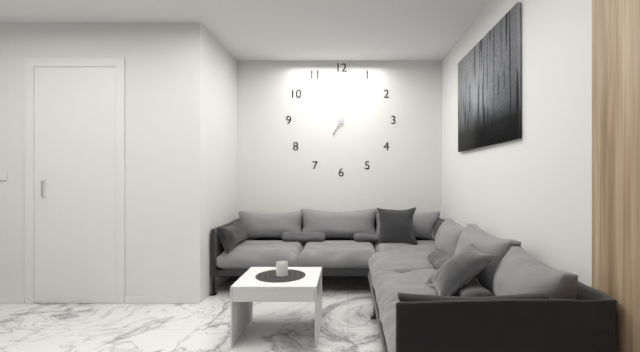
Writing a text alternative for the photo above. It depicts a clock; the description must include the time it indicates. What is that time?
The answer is 6:56
